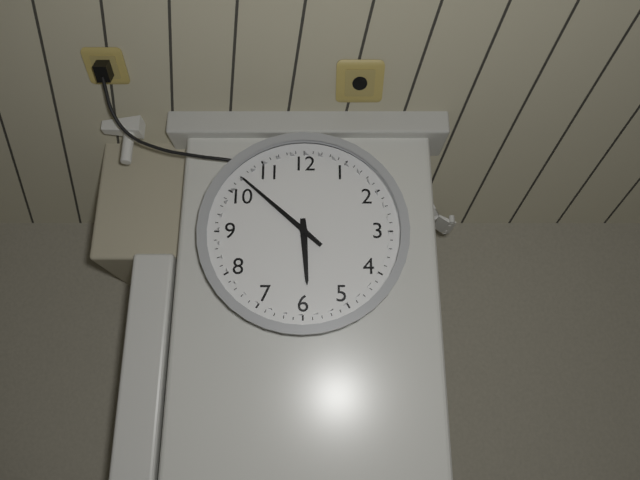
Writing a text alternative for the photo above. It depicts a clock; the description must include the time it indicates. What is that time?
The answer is 5:52
